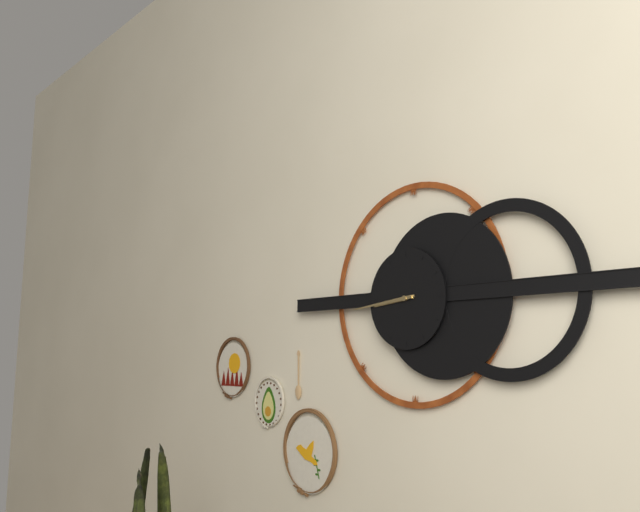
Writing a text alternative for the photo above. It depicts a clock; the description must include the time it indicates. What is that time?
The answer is 8:44
